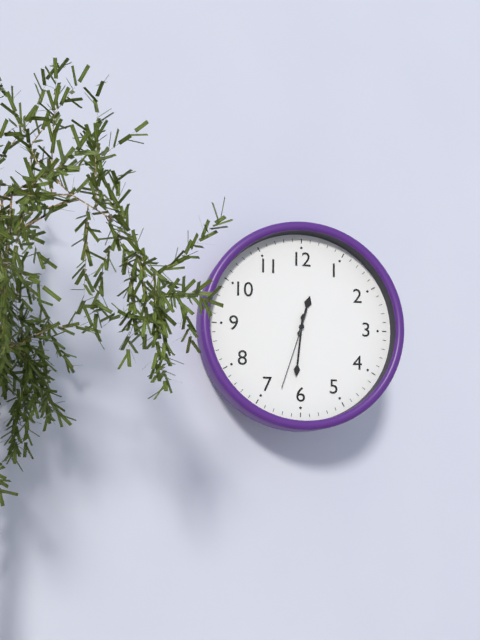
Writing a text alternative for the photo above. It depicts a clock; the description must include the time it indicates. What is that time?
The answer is 12:31:33
